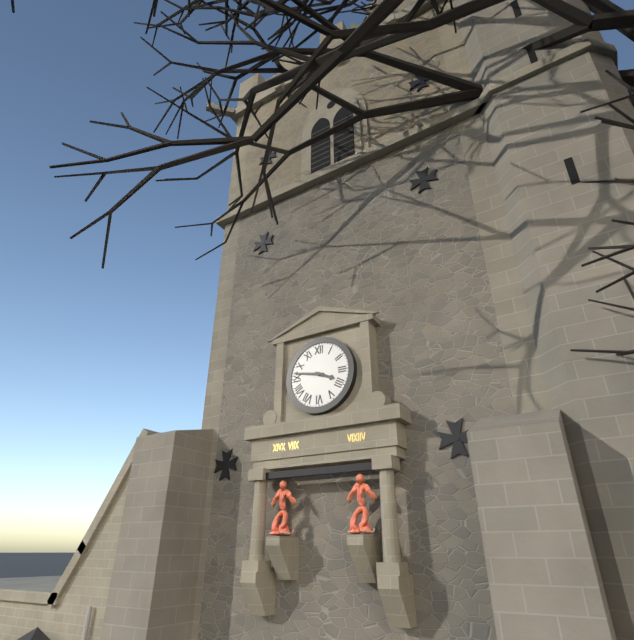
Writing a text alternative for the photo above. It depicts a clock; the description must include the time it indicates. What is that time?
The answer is 3:47
